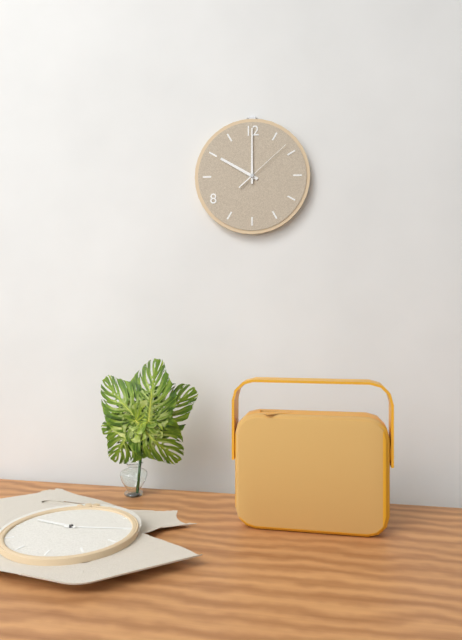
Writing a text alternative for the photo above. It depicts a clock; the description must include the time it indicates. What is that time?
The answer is 10:00:08
